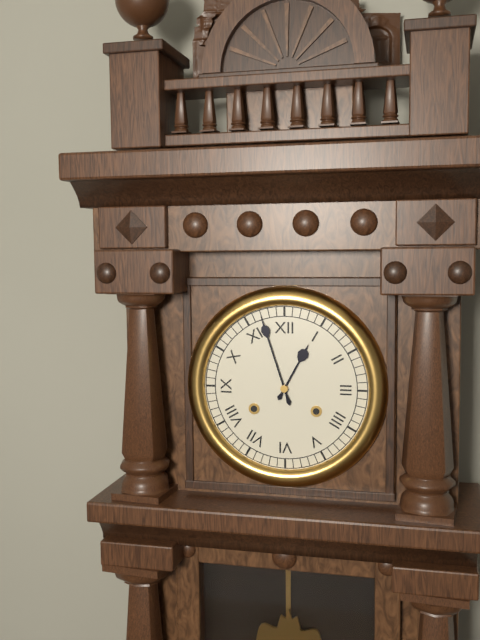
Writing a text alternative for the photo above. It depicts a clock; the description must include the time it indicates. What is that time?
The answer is 12:57
